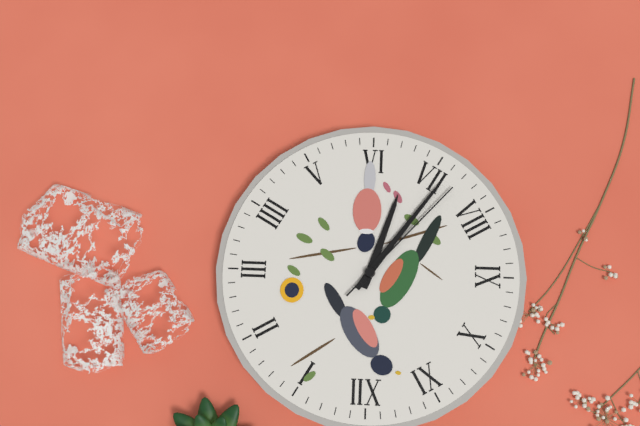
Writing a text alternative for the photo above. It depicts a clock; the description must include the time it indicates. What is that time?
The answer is 6:36:37
